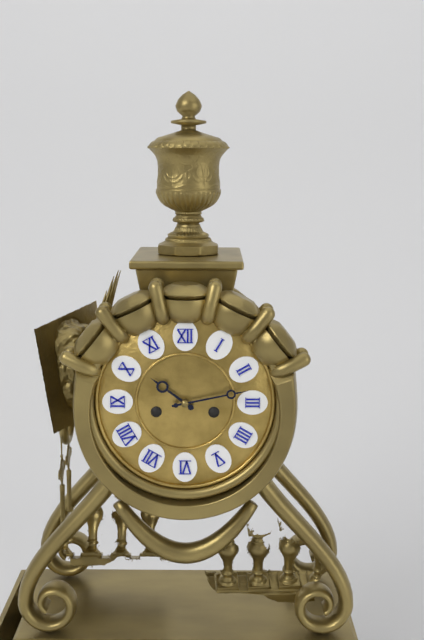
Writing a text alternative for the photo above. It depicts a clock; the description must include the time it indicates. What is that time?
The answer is 10:13
